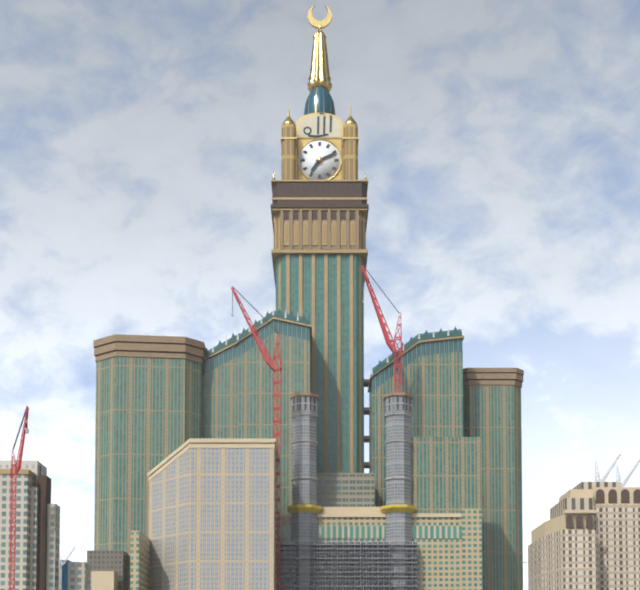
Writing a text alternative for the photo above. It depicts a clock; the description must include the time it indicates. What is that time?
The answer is 7:11
